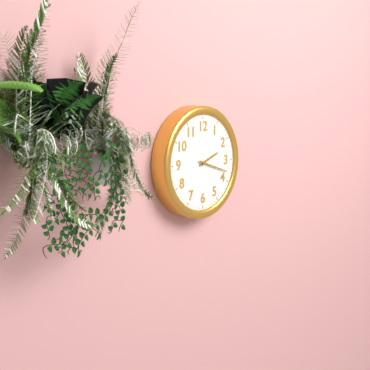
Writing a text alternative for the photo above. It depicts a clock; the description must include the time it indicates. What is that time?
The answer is 2:18
